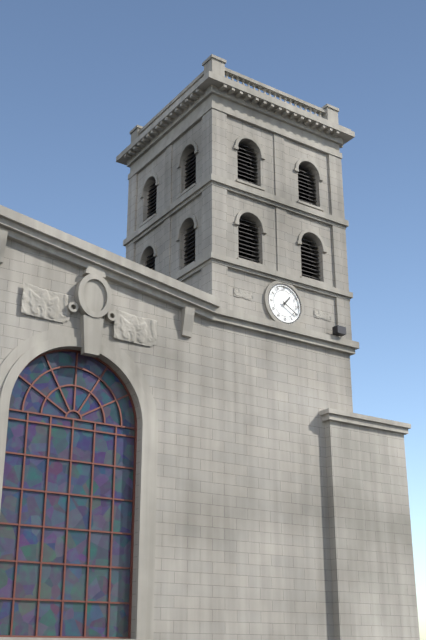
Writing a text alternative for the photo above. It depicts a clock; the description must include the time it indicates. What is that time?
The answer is 1:20
